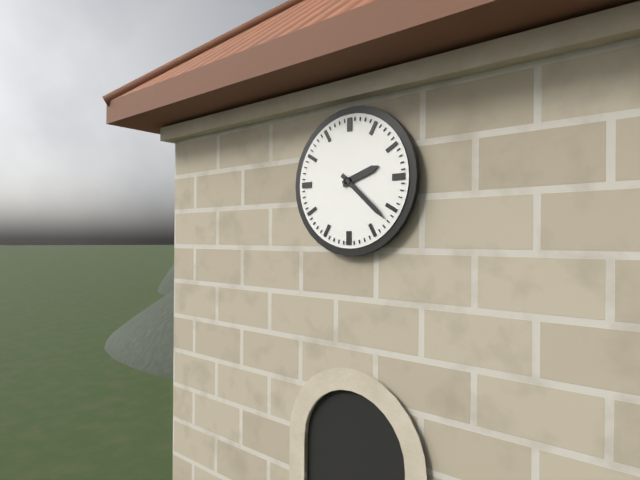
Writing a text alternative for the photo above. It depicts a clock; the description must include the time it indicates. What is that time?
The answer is 2:22
